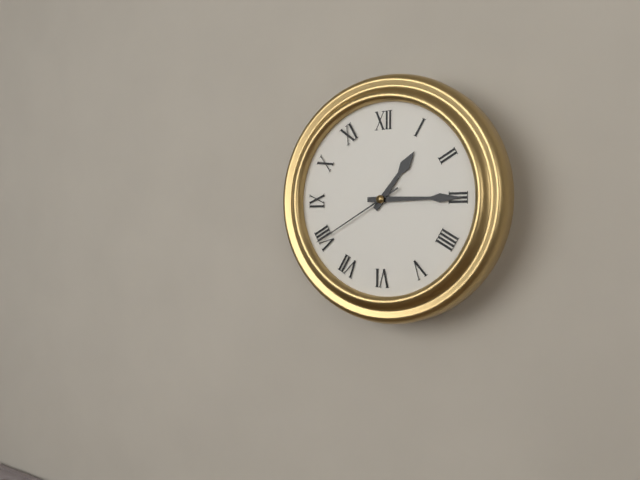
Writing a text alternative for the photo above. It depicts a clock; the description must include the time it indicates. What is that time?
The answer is 1:15:40
